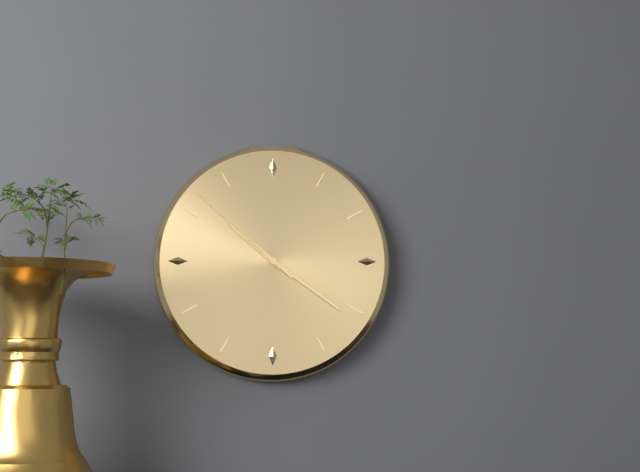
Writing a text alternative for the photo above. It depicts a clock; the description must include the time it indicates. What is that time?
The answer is 10:21:52
